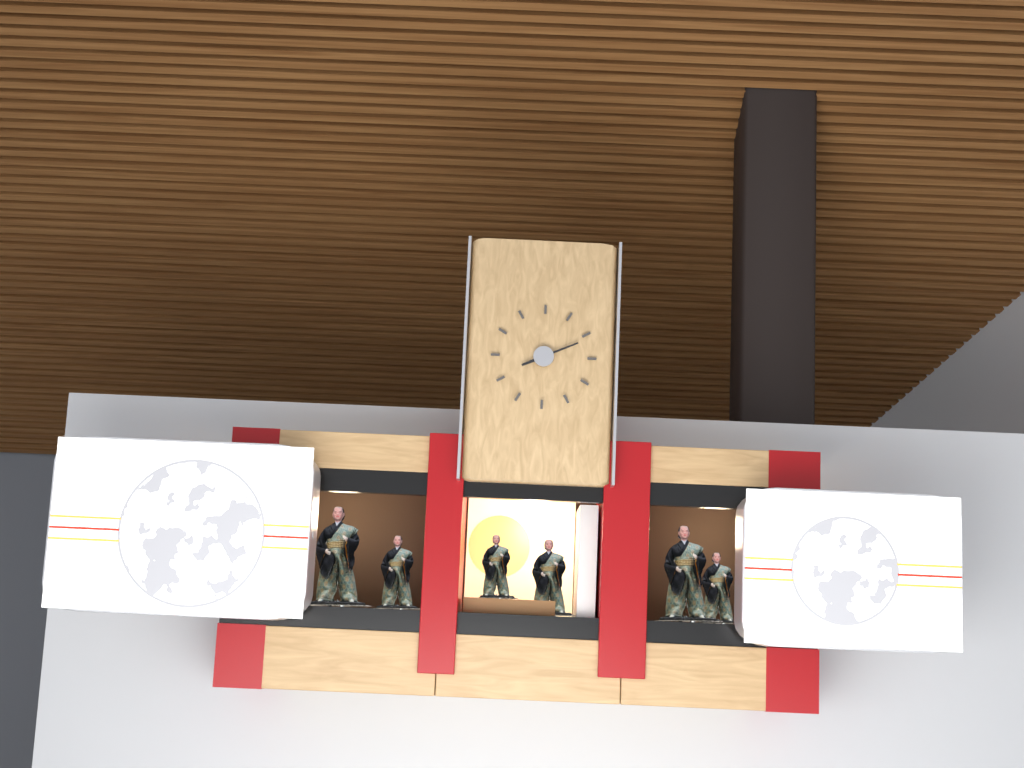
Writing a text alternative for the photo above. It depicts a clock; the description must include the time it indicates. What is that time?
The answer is 8:11
